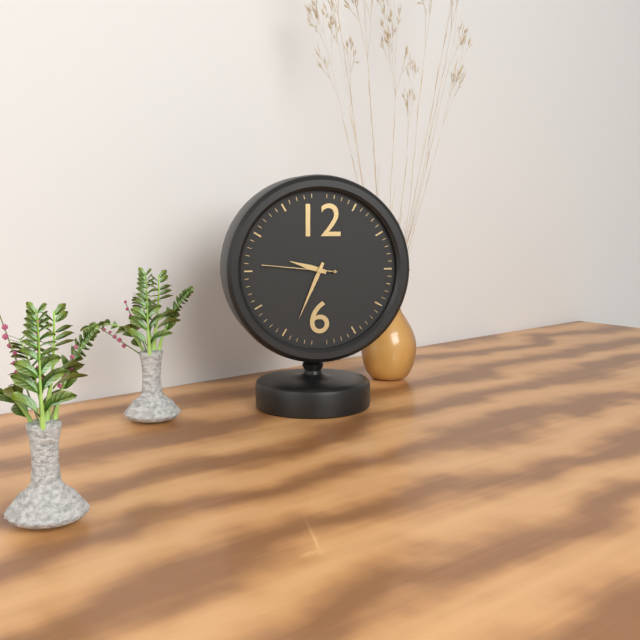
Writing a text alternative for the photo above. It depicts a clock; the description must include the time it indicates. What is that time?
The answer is 9:34:46
